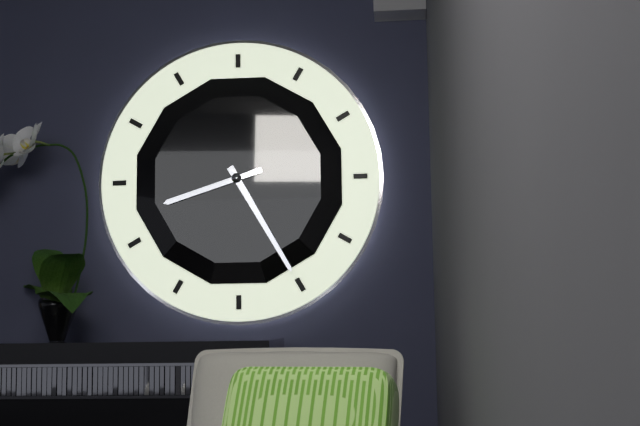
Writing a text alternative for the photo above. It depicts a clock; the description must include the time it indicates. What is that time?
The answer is 8:25
